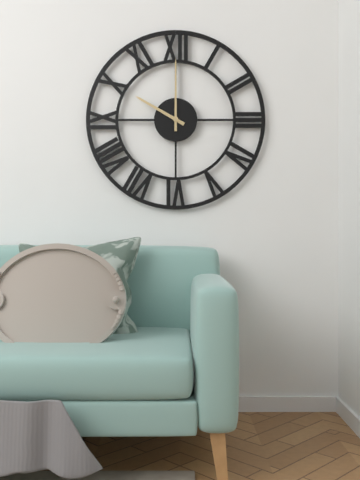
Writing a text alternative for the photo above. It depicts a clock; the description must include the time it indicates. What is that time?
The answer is 10:00
